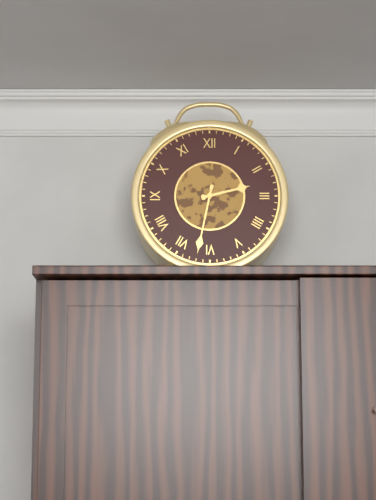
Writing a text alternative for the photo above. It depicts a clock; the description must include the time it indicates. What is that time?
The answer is 2:32
